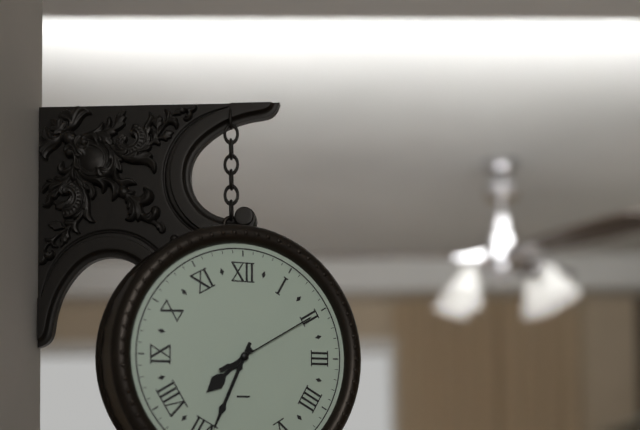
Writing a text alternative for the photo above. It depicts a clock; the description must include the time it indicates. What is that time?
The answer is 7:34:10
